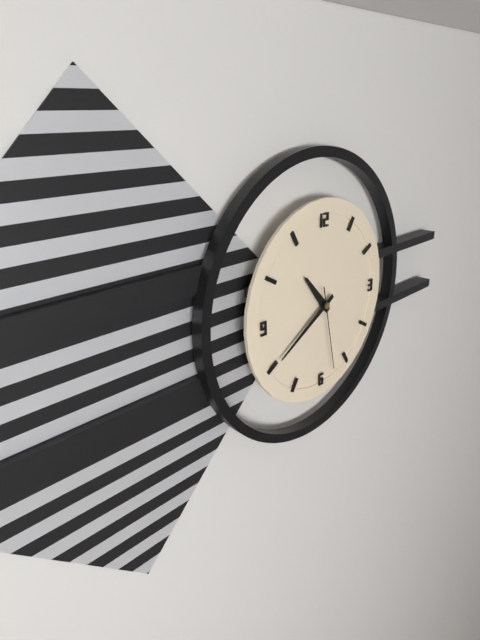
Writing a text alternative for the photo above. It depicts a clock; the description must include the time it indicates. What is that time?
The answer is 10:40:28
